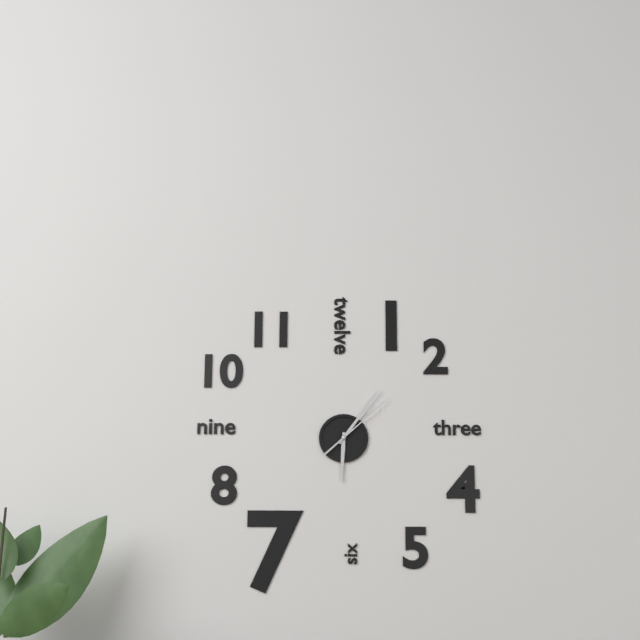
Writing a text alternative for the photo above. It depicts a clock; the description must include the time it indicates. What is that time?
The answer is 6:06:08
